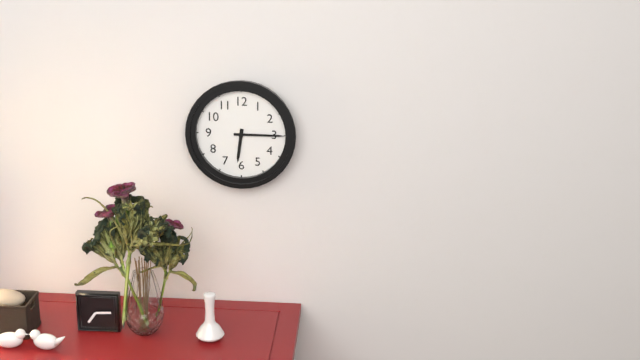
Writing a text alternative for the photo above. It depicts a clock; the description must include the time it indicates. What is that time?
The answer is 6:15
